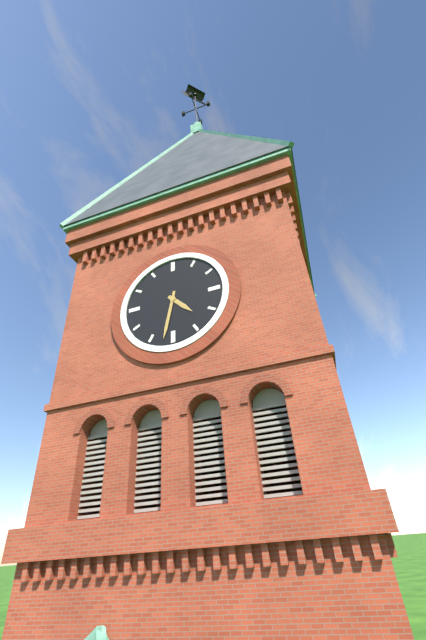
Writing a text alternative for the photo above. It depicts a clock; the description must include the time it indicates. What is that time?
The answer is 4:32
